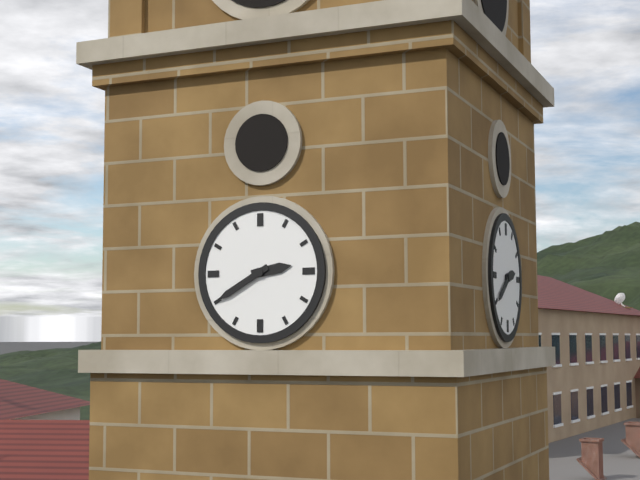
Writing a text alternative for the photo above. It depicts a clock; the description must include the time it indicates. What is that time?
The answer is 2:40
